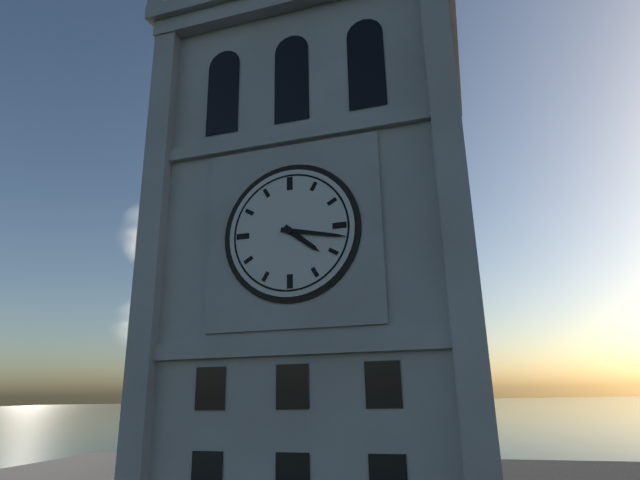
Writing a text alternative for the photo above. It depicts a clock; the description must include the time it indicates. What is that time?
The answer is 4:17
